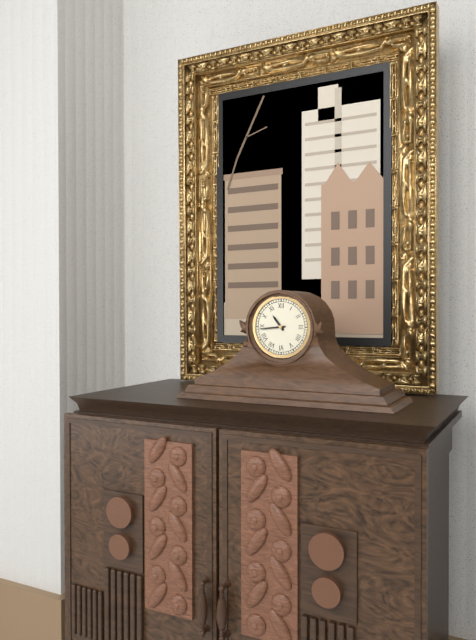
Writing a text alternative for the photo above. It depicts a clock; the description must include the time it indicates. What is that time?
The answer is 10:44
